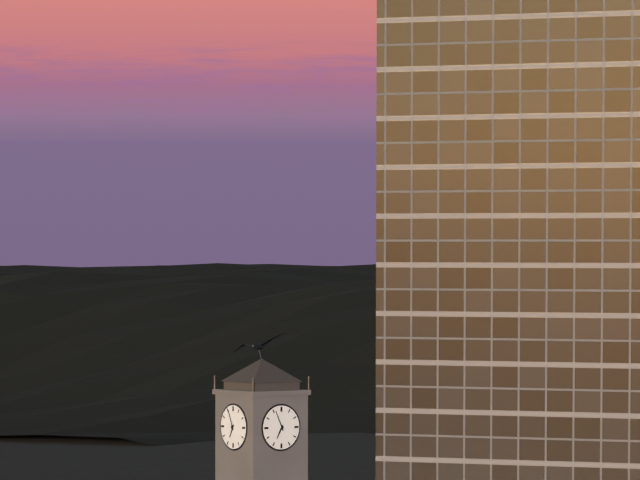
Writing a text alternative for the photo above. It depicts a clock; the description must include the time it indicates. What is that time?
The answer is 6:56
